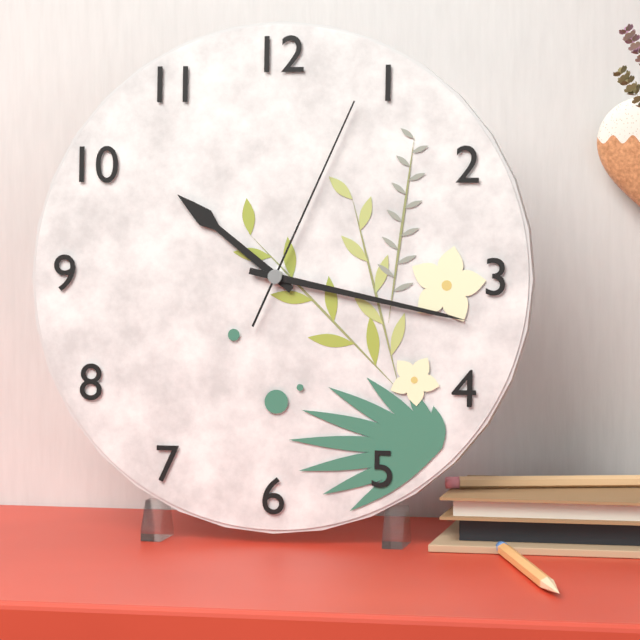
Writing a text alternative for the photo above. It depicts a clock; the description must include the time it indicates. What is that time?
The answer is 10:17:04
